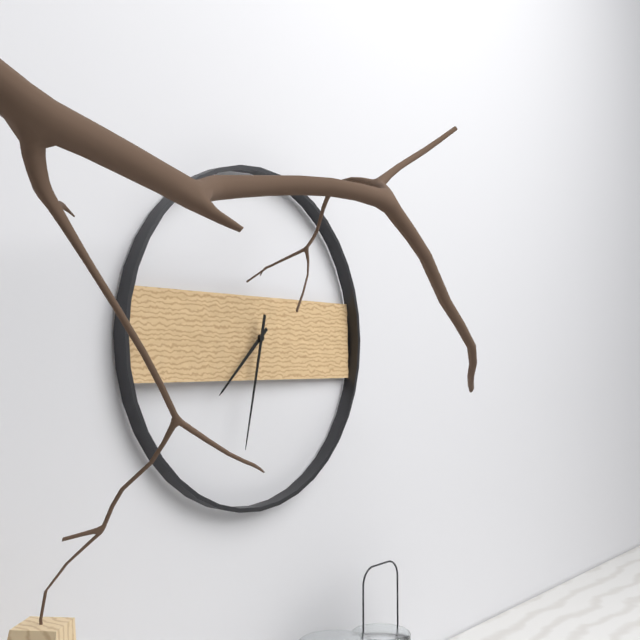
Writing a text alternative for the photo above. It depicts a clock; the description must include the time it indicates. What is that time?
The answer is 7:32
